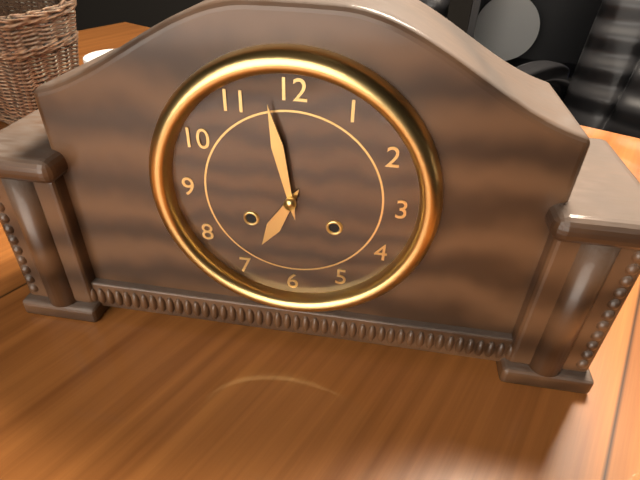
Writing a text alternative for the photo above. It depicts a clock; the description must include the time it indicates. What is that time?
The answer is 6:58
